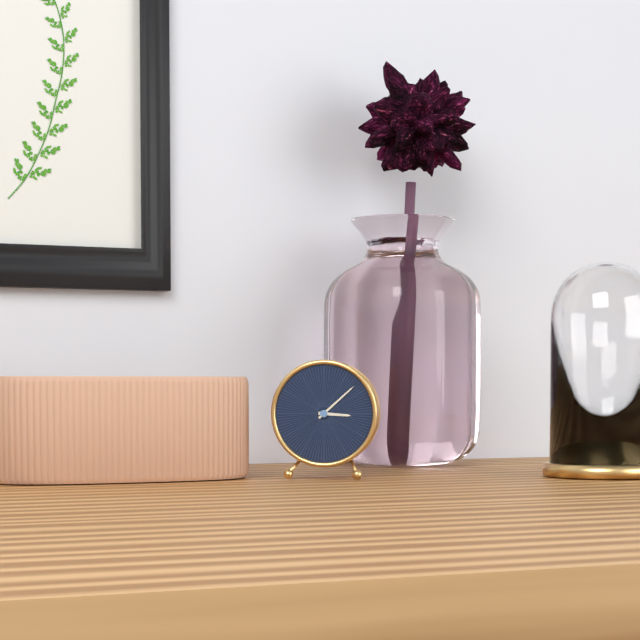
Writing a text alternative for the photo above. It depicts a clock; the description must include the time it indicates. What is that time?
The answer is 3:08
